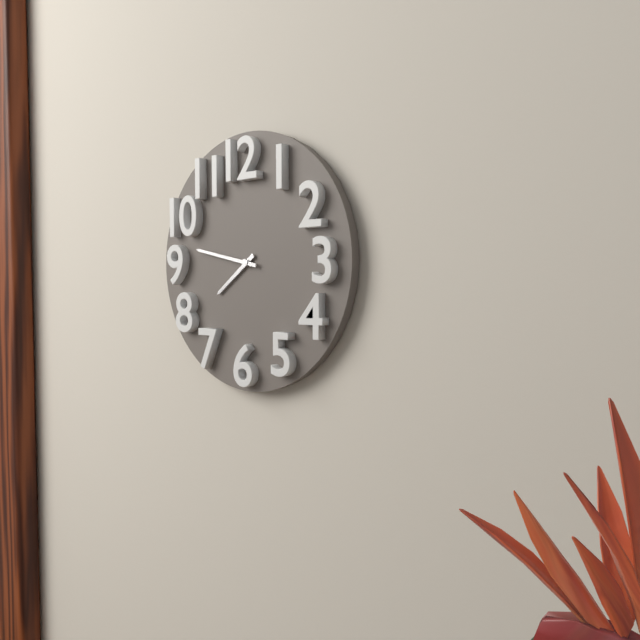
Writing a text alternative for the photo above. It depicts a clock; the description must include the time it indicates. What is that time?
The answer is 7:47
